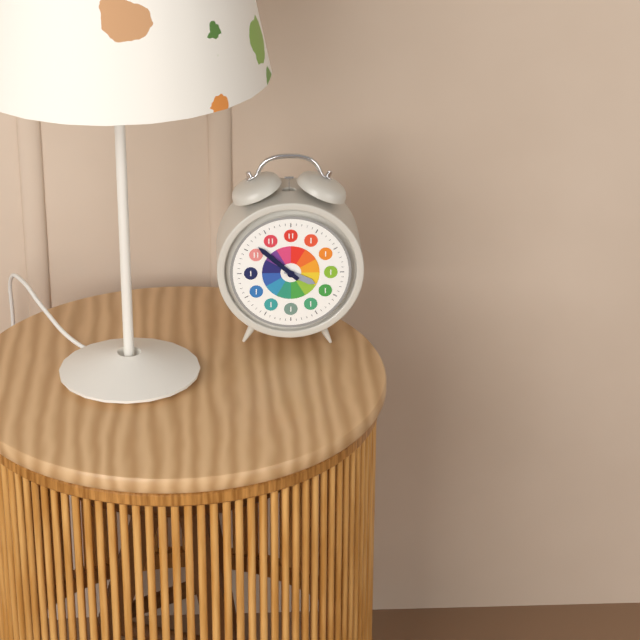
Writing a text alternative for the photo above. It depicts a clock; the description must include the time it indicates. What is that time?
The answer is 3:52
